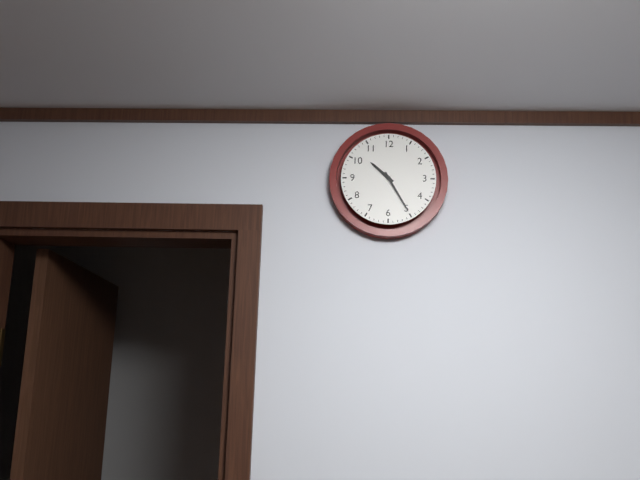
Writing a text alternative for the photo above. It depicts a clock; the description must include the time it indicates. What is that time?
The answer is 10:25
